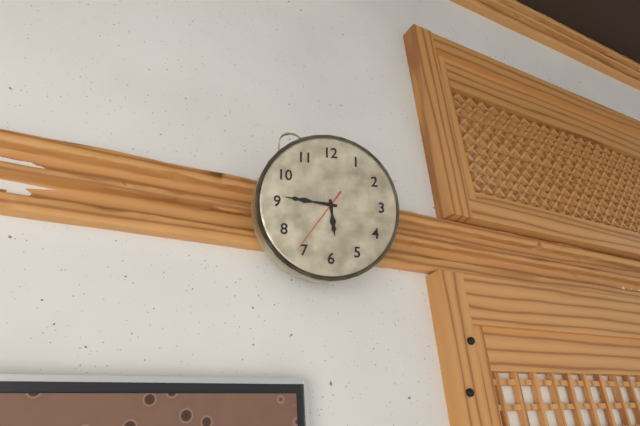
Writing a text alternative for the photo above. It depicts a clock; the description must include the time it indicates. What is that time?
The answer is 5:46:36
